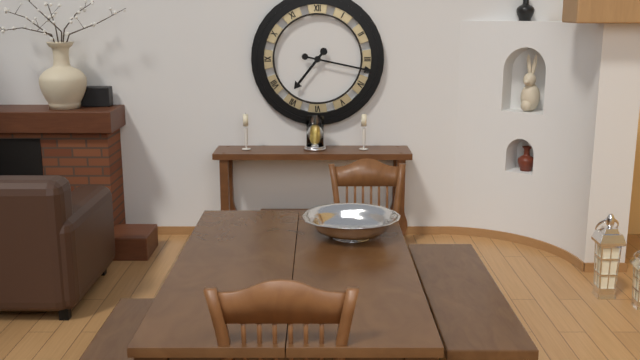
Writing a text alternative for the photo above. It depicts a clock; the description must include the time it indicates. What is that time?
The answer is 7:17
